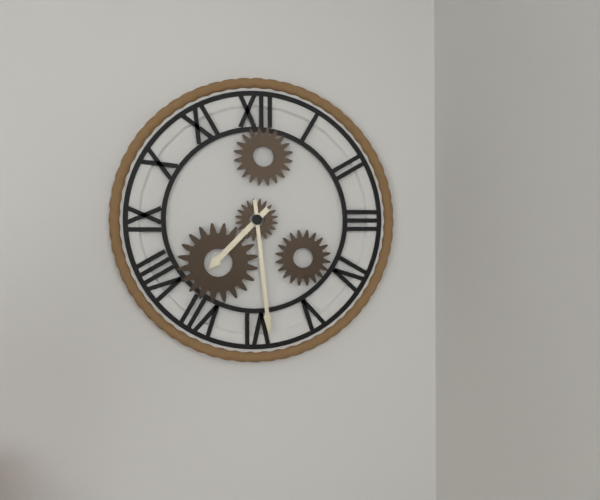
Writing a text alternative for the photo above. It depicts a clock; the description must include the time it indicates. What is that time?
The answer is 7:29
